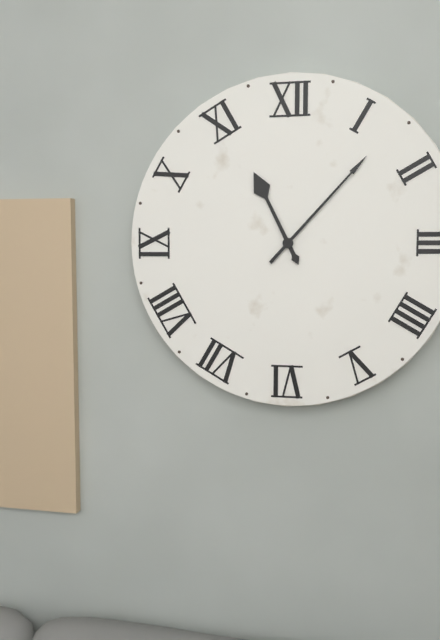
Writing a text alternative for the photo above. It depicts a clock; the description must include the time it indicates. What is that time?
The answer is 11:07
